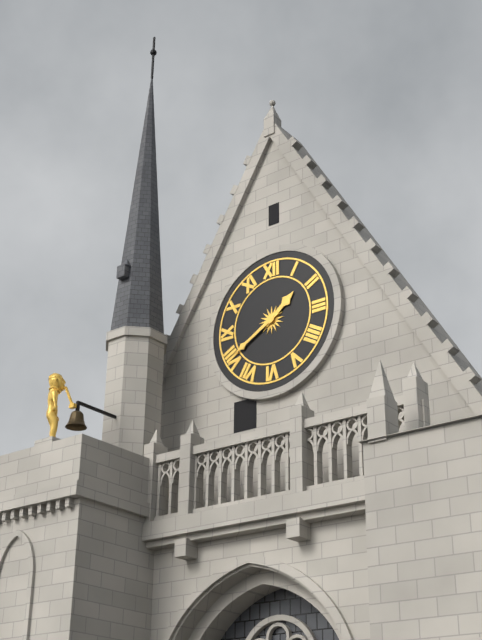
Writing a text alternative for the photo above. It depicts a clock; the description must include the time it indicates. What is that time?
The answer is 1:40
